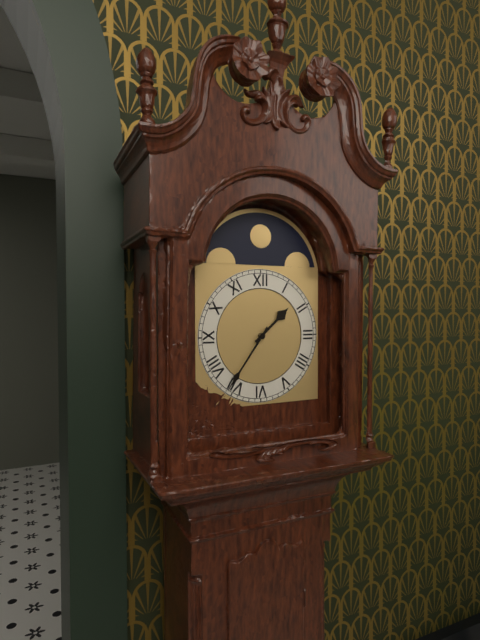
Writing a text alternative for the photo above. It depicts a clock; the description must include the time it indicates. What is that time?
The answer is 1:36
